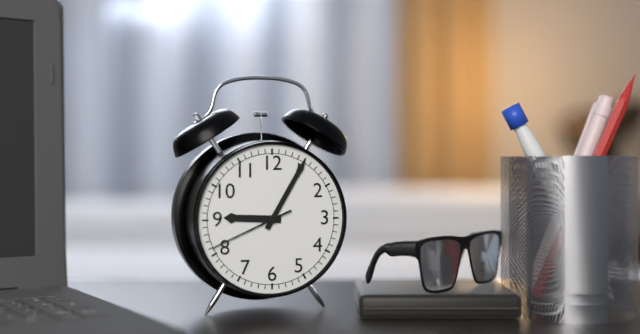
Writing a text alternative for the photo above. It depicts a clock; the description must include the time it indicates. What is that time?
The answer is 9:05:41
